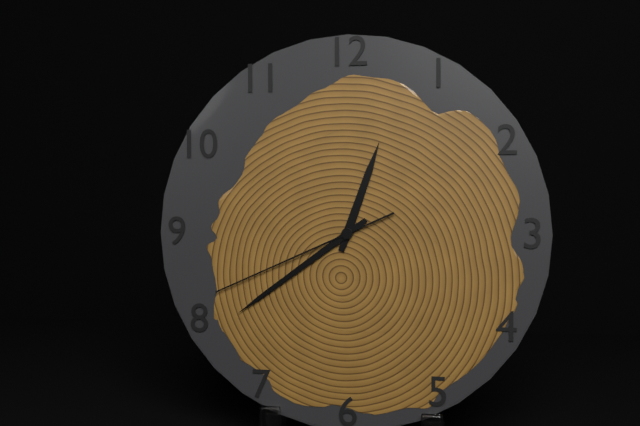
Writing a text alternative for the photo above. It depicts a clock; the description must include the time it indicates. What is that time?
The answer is 12:39:41
